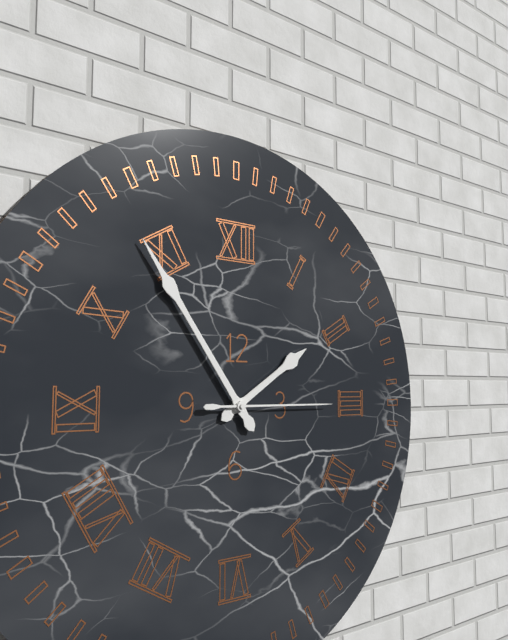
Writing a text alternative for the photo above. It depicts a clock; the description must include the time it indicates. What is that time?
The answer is 1:54:15
